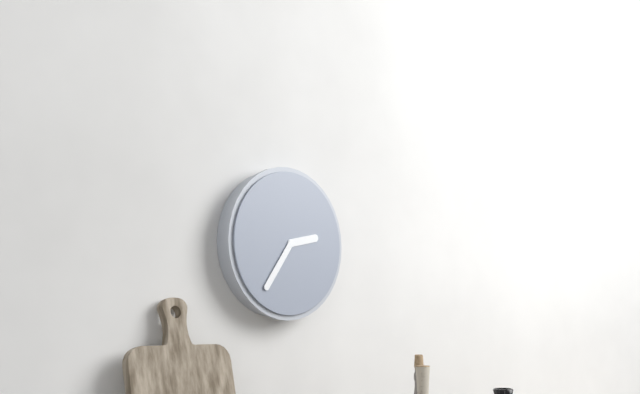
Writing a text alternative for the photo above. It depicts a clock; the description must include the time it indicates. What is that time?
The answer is 2:36
